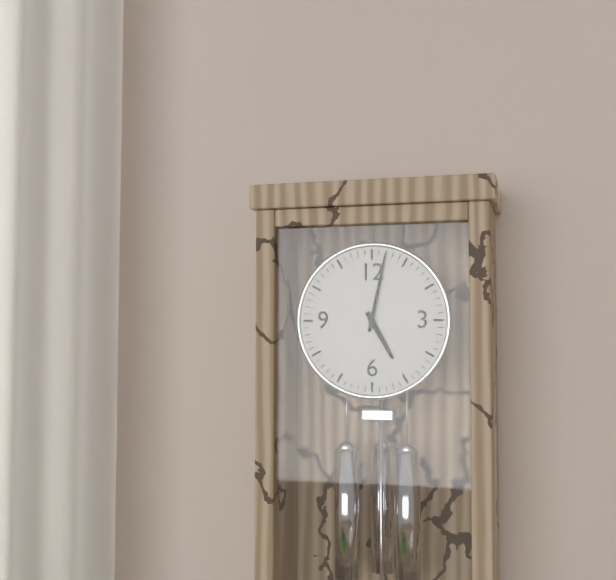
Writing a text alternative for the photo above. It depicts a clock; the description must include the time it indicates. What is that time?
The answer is 5:02
